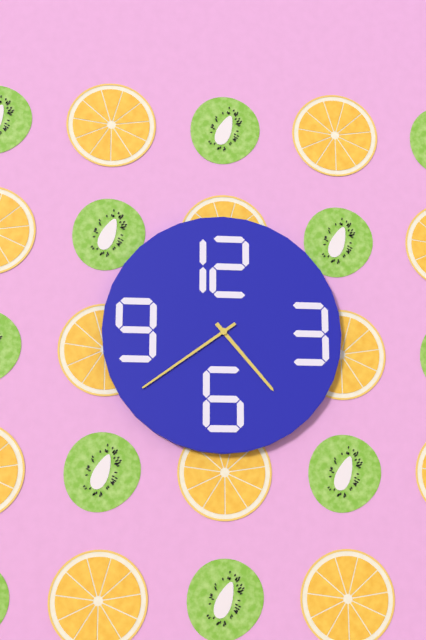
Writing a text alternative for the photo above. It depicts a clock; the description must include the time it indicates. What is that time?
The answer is 4:39
